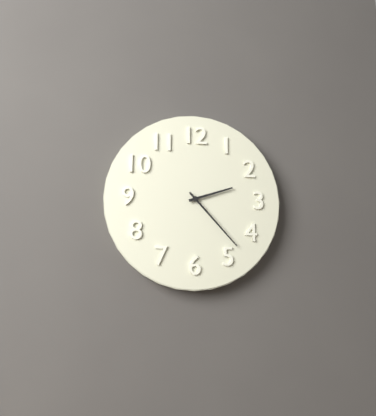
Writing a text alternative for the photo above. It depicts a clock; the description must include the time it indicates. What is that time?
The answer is 2:23
